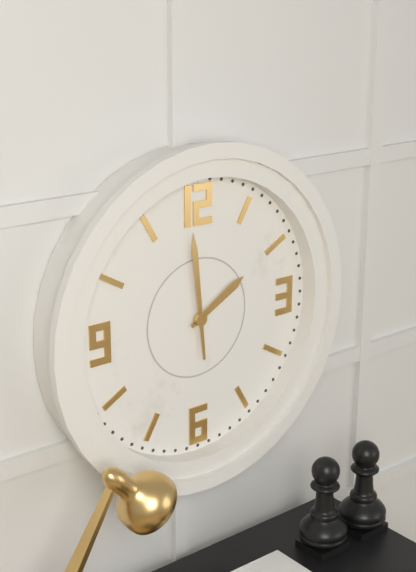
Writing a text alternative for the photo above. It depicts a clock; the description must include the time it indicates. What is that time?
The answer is 1:59
